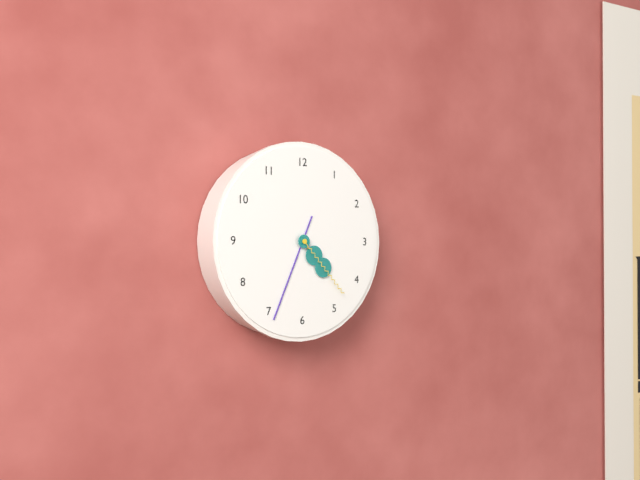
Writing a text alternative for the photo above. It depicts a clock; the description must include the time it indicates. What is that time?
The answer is 4:34:23
